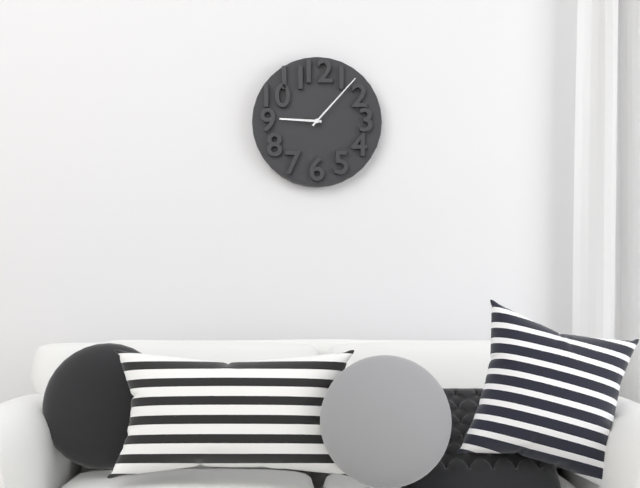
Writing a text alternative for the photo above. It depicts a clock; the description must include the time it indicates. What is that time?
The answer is 9:07
